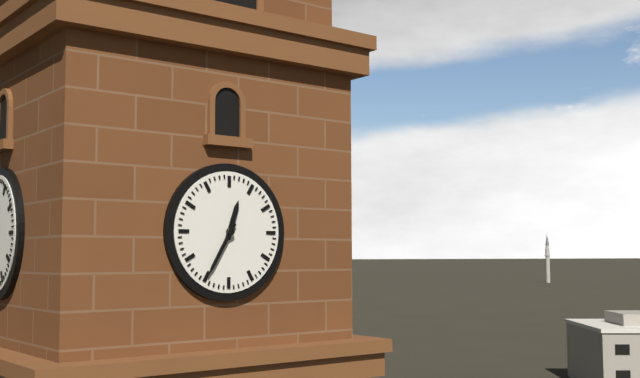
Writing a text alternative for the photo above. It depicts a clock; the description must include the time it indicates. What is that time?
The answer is 12:35
